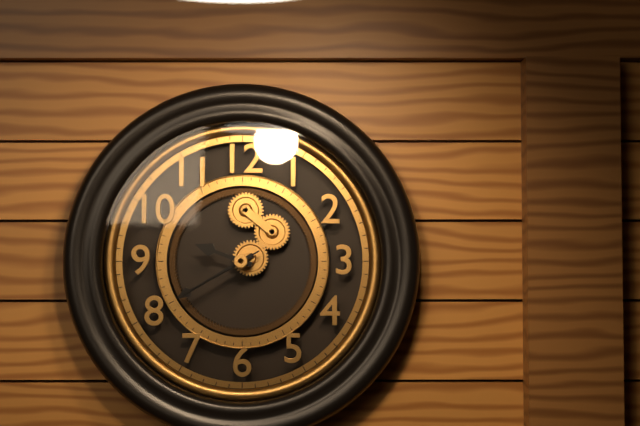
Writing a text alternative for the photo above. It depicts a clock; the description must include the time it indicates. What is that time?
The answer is 9:40:40
